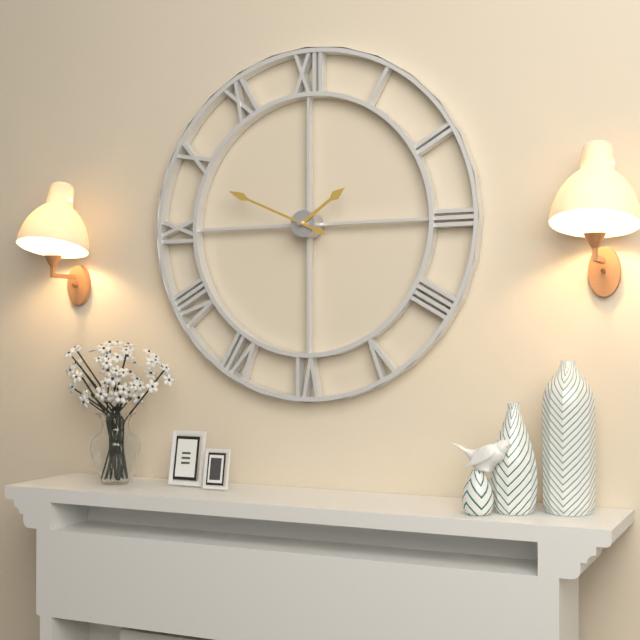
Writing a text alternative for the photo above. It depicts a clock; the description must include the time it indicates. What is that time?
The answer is 1:49
